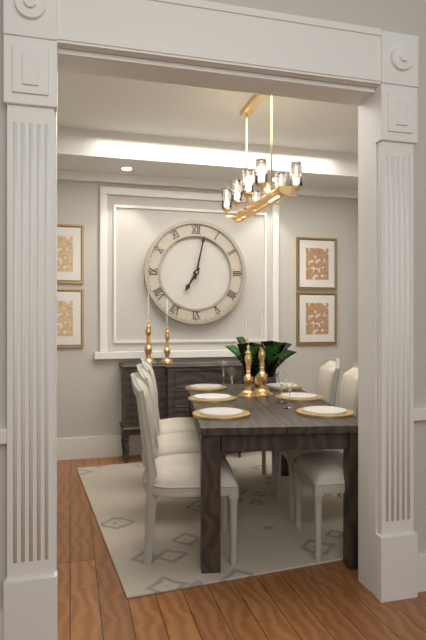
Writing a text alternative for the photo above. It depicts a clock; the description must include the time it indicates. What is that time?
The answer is 7:02
